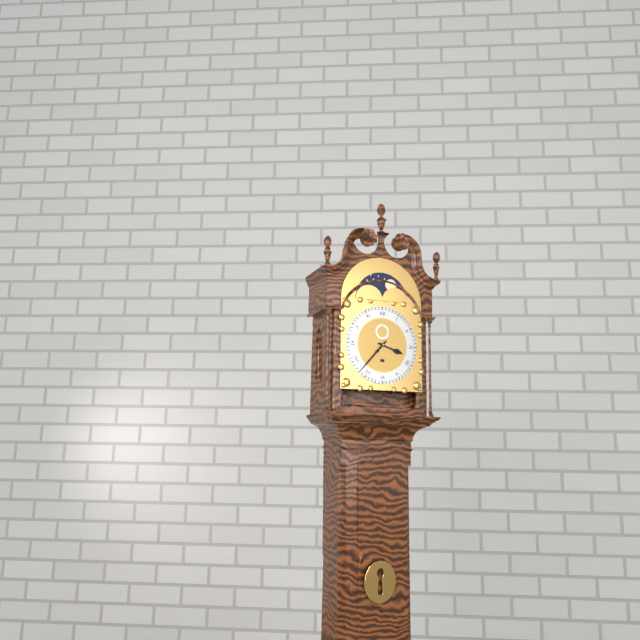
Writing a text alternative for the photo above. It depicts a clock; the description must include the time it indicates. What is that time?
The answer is 3:37
